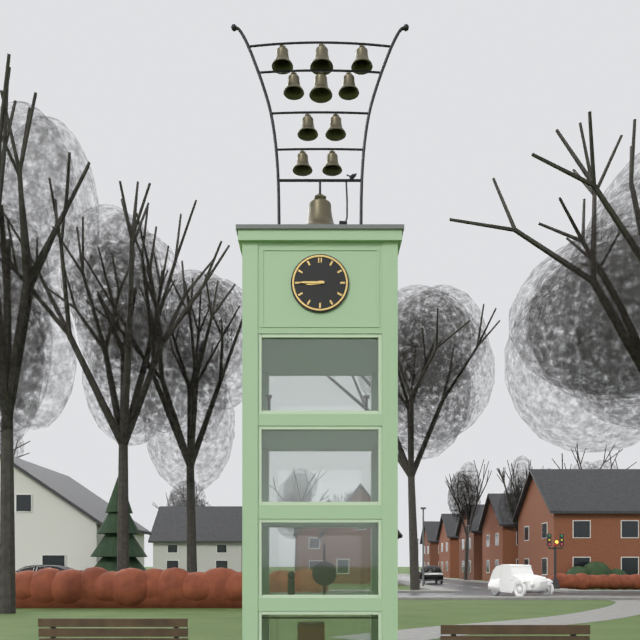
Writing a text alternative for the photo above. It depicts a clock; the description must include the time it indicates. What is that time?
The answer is 8:45
